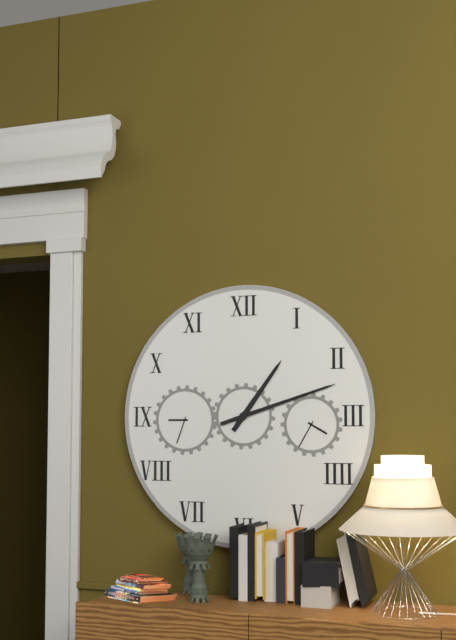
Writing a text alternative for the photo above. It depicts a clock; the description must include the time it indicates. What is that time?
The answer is 1:12
